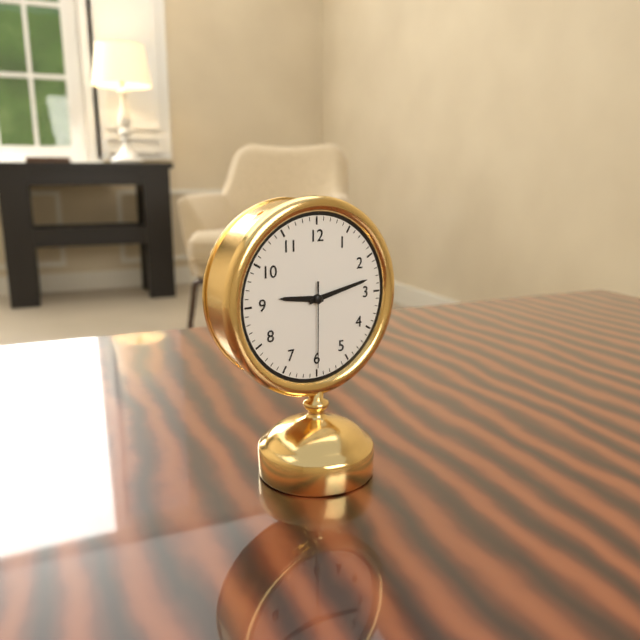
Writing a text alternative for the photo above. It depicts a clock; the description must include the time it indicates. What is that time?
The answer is 9:13:30
